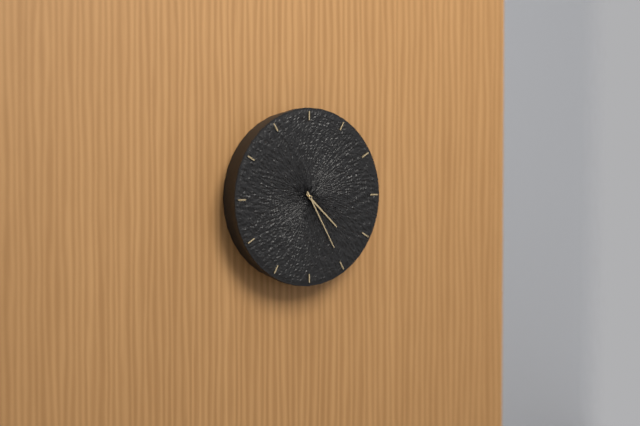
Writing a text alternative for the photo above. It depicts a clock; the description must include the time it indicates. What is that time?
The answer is 4:25
